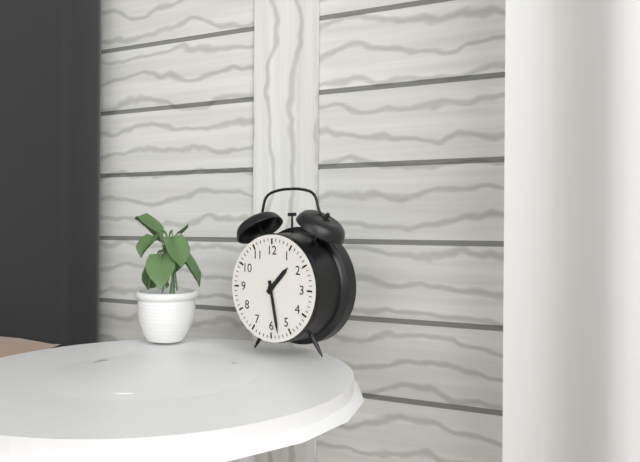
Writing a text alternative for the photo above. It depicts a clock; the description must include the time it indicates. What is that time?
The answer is 1:28
